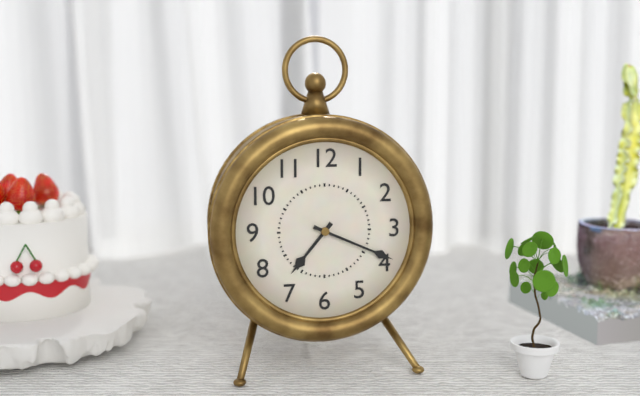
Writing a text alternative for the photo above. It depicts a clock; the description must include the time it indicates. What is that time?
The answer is 7:19
